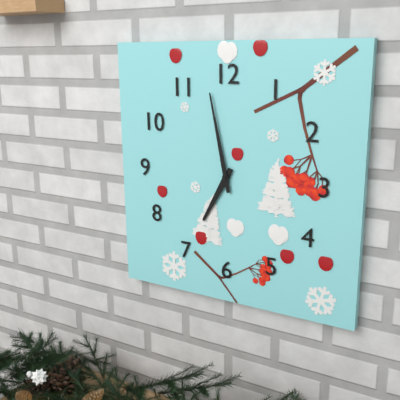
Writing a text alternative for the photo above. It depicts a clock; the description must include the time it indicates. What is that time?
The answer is 6:58
